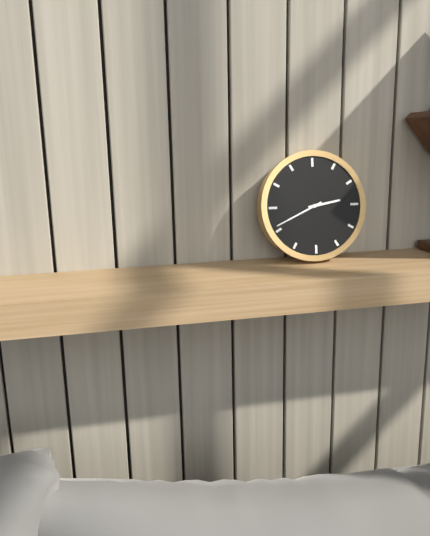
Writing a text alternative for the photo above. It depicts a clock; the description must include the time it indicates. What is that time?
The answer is 2:41
